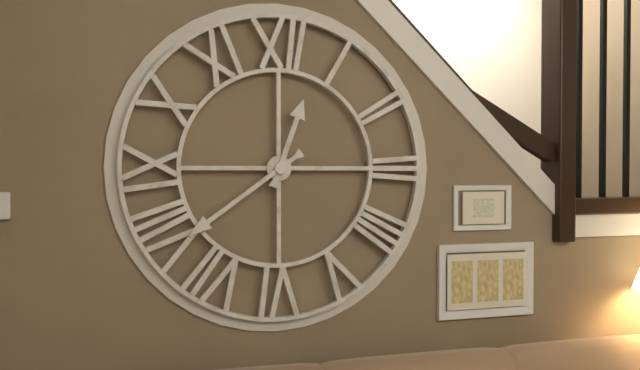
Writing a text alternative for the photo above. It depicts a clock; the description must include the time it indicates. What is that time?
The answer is 12:39
